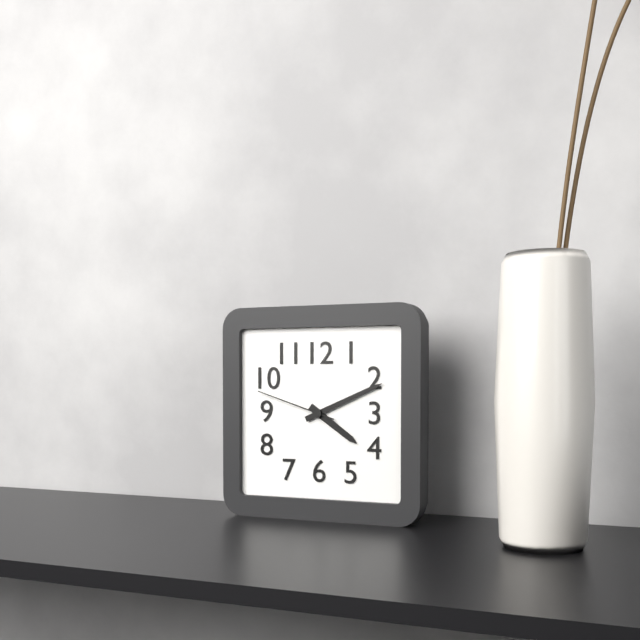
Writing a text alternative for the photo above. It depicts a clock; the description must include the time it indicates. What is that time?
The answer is 4:11:48
